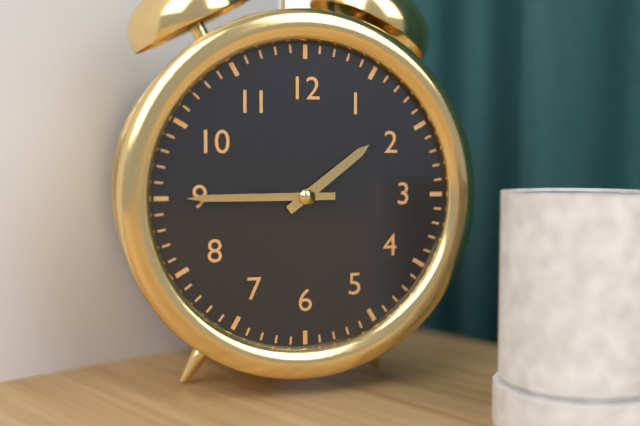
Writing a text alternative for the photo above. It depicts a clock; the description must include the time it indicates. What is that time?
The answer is 1:45
